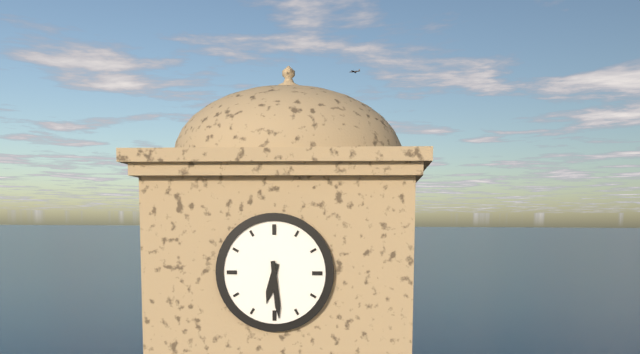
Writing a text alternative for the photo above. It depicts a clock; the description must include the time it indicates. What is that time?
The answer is 6:29
